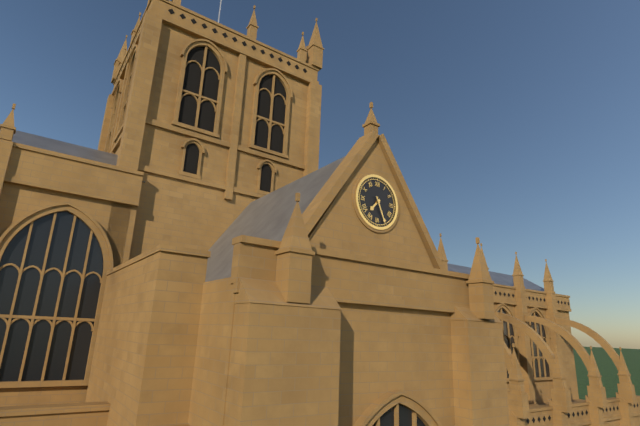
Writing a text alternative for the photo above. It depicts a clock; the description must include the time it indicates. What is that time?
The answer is 7:26
